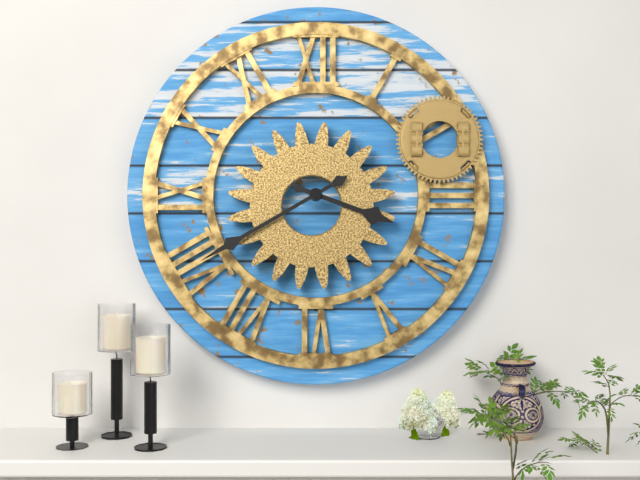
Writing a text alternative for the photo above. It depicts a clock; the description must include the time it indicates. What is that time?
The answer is 3:40
